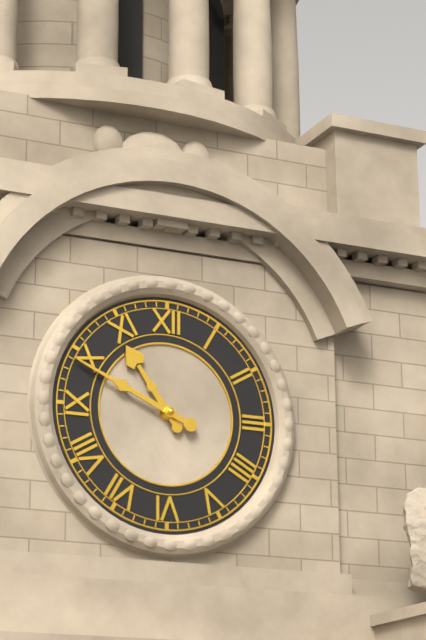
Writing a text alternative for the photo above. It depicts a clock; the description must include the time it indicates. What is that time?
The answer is 10:49
